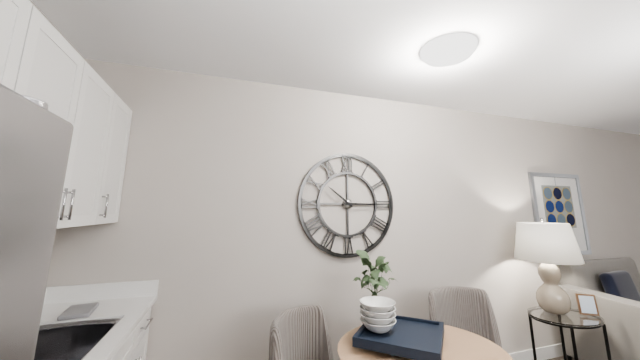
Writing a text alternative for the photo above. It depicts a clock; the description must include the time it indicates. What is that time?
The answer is 10:15
